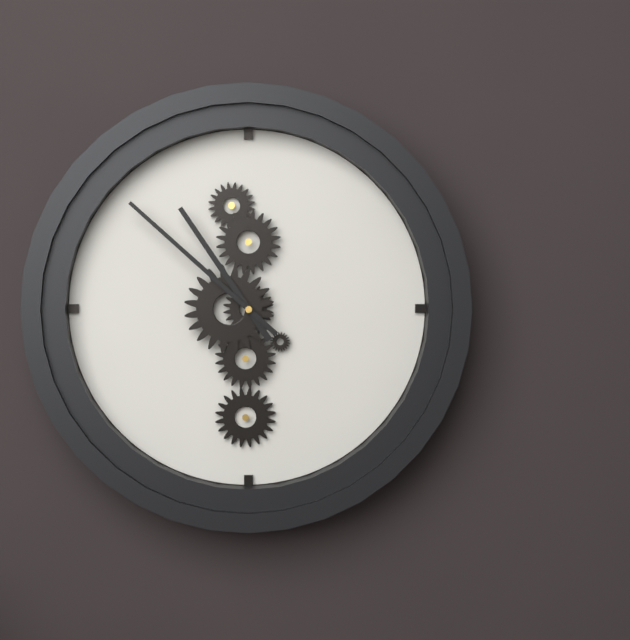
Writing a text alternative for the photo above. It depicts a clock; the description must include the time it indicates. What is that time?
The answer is 10:52
